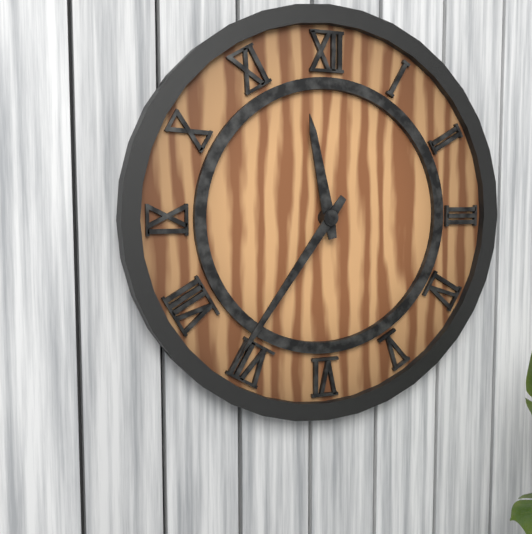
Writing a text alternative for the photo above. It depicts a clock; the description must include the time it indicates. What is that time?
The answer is 11:36
